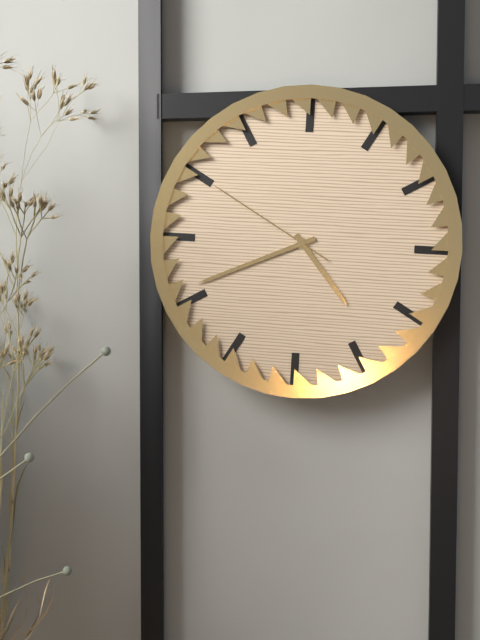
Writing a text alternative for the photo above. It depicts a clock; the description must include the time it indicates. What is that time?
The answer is 4:41:50
